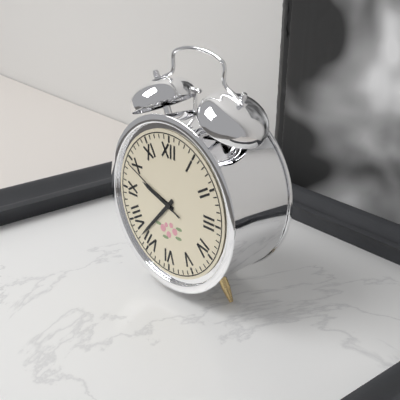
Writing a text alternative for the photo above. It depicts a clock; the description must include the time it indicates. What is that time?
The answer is 9:37:49
